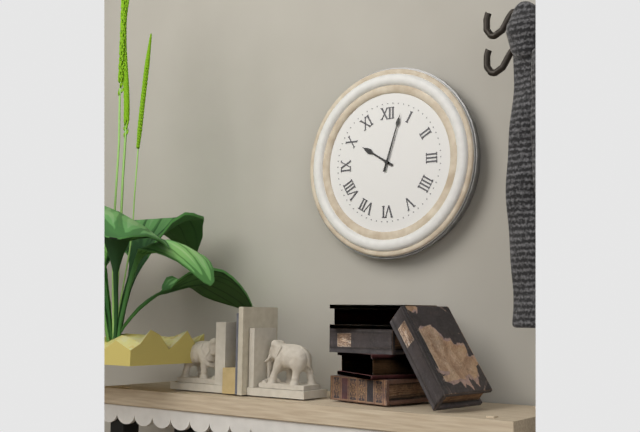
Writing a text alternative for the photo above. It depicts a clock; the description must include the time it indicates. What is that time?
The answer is 10:03
